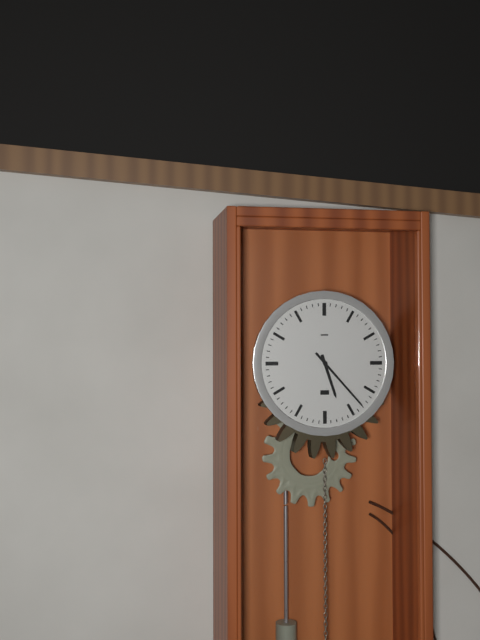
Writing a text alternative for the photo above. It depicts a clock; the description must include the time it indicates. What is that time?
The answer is 5:23
